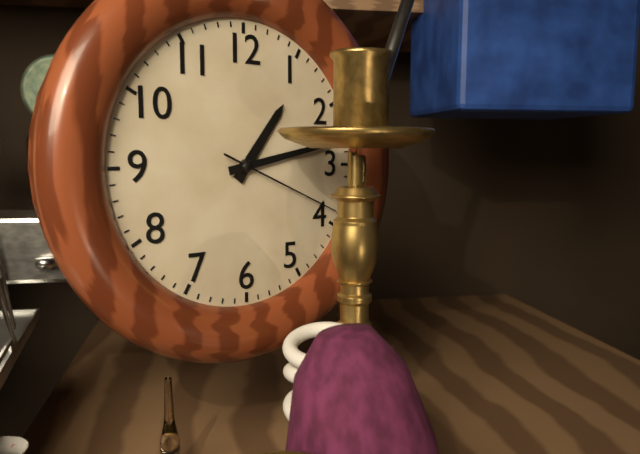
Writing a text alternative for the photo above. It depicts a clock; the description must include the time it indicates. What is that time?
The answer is 1:13:19
